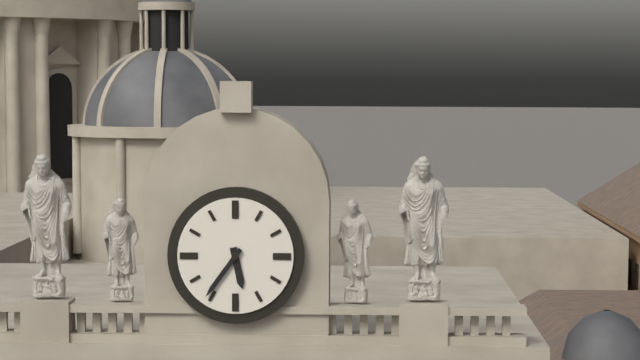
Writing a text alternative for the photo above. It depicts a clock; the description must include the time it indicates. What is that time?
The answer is 5:36
